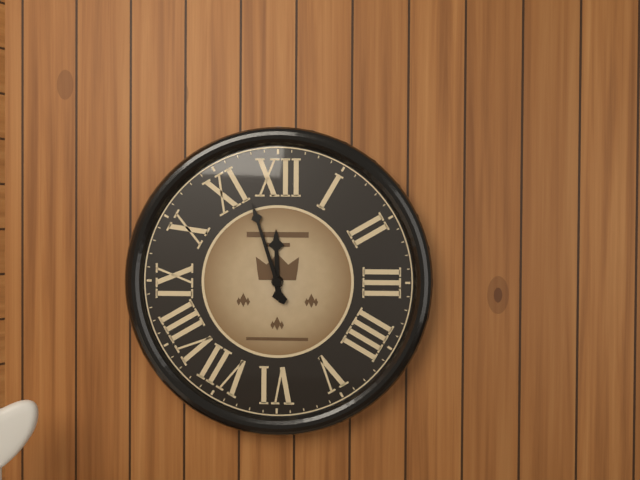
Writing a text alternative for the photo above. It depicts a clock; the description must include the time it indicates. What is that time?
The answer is 11:57
